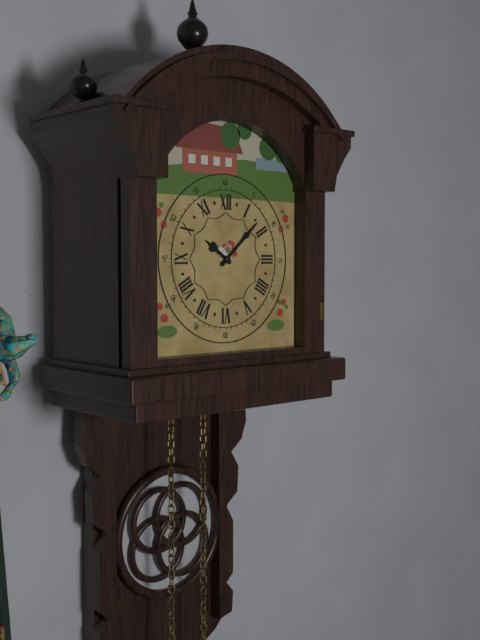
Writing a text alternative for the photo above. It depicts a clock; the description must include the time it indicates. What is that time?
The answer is 10:08
